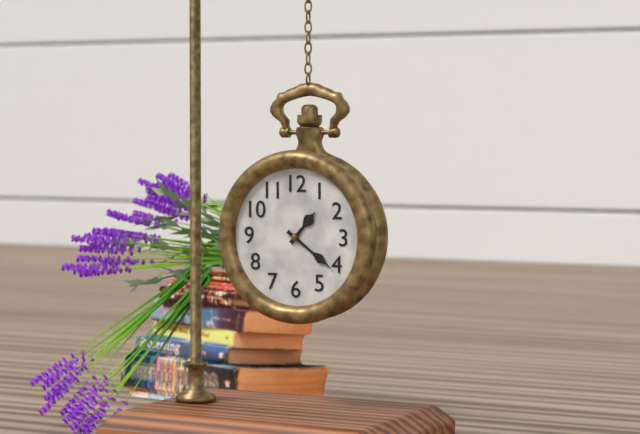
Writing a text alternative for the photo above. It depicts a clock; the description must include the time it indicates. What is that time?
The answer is 1:21
